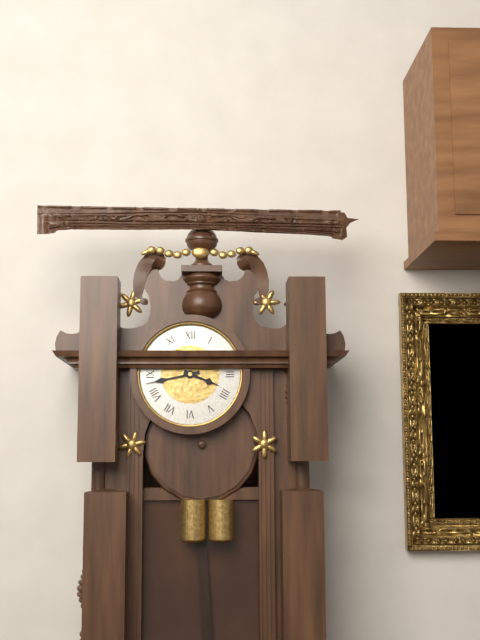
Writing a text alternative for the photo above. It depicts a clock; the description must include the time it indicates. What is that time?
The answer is 3:43
